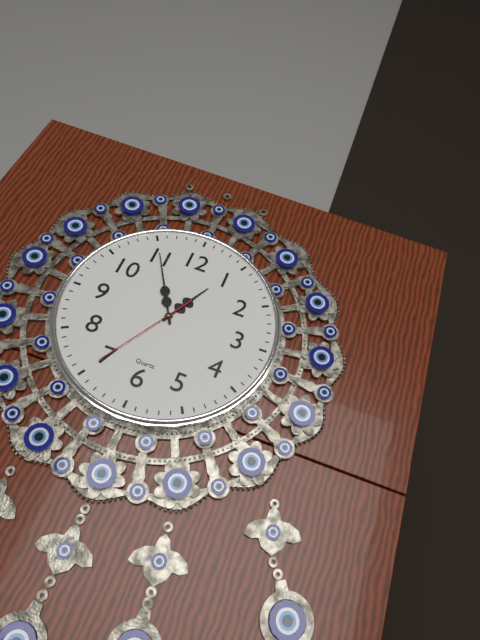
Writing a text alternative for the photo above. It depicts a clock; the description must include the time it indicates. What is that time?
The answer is 12:55:35
